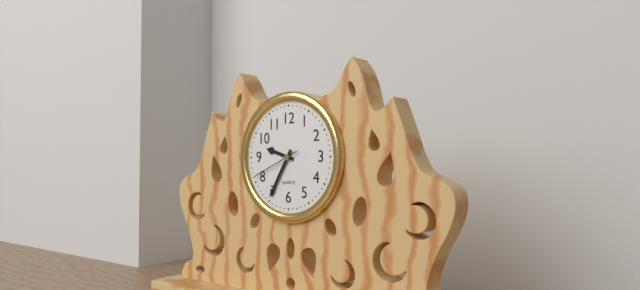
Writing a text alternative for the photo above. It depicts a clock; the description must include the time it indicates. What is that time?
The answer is 9:35:41
